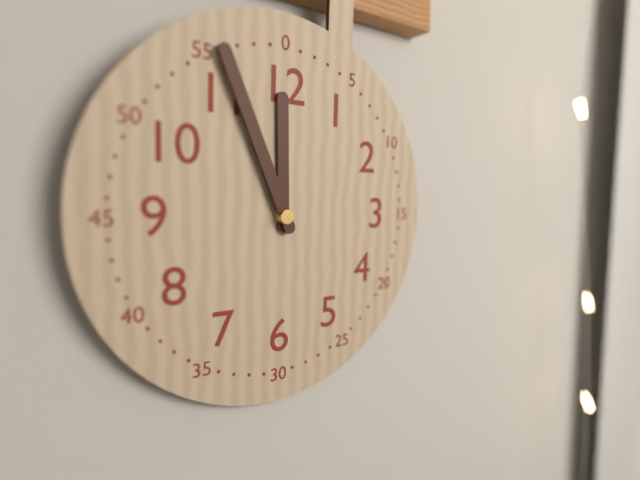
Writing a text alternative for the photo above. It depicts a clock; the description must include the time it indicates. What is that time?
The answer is 11:56
